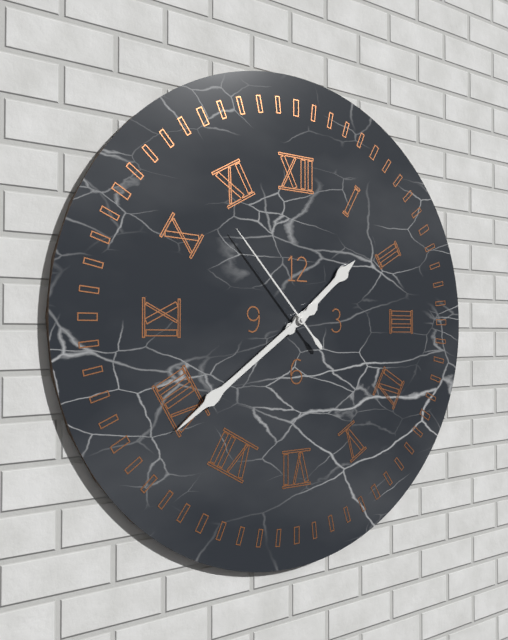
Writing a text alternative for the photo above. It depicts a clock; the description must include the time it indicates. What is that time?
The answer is 1:39:53
